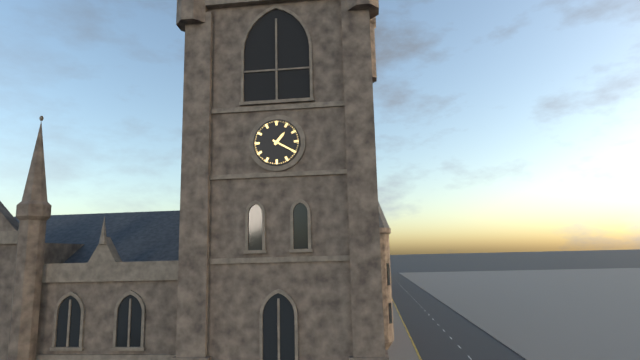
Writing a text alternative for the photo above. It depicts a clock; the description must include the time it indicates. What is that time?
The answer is 1:20
